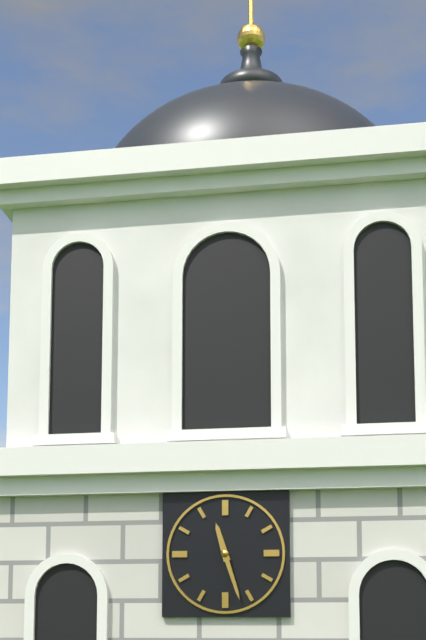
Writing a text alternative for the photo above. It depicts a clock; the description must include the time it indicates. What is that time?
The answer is 11:27
